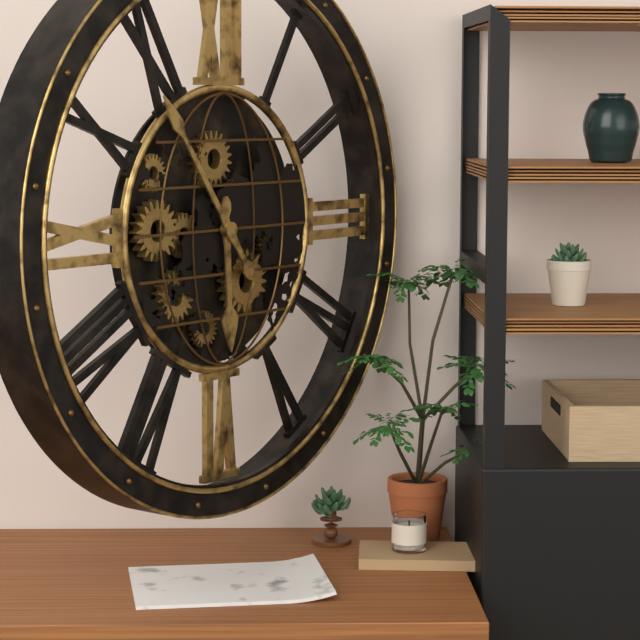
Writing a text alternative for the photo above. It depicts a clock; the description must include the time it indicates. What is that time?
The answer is 5:54
